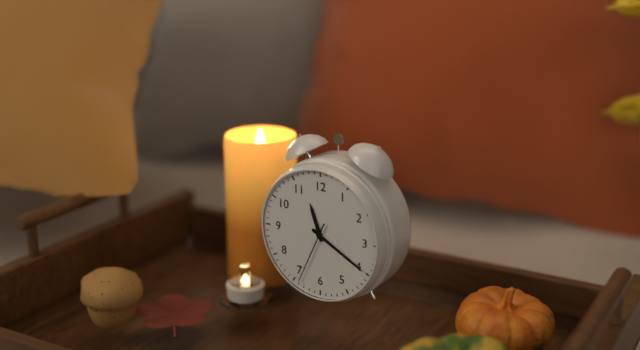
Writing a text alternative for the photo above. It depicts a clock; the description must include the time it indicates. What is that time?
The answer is 11:20:34
